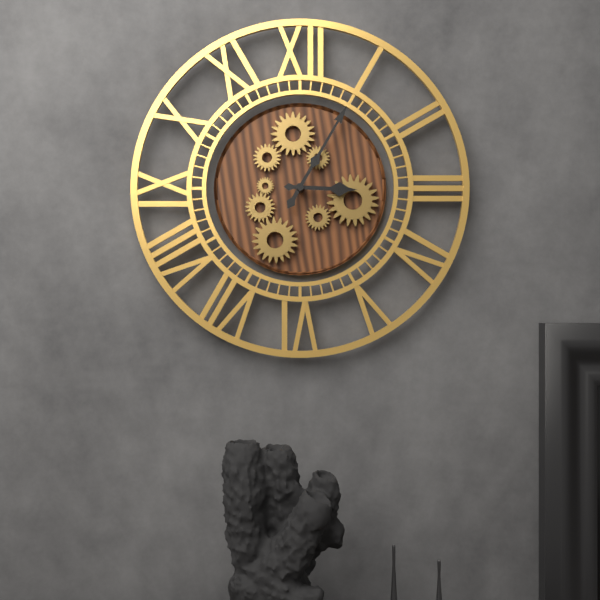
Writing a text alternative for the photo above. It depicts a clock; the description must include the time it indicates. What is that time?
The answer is 3:05
